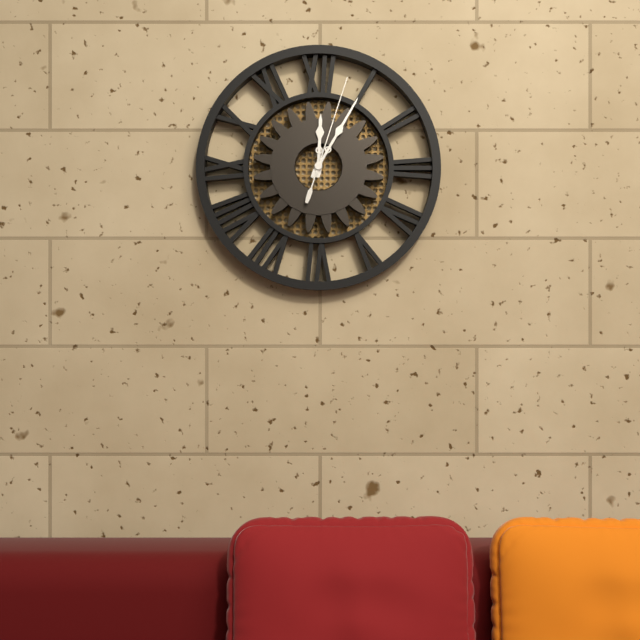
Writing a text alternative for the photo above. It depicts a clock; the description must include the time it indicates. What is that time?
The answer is 12:05:03
